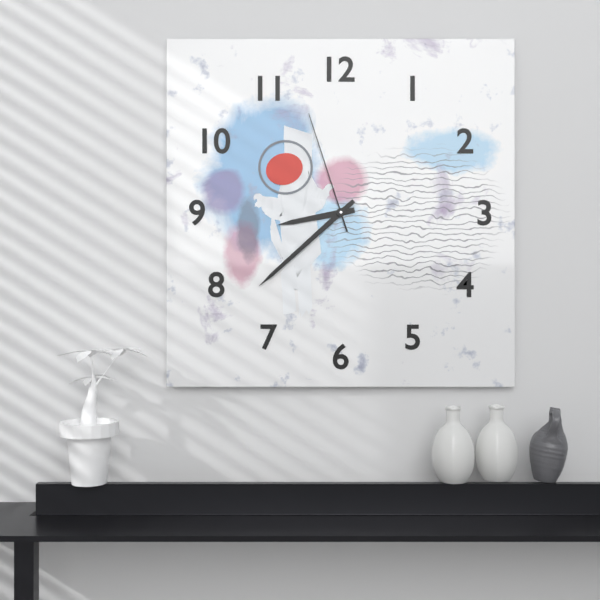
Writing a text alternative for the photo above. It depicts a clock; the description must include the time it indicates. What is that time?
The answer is 8:38:57
